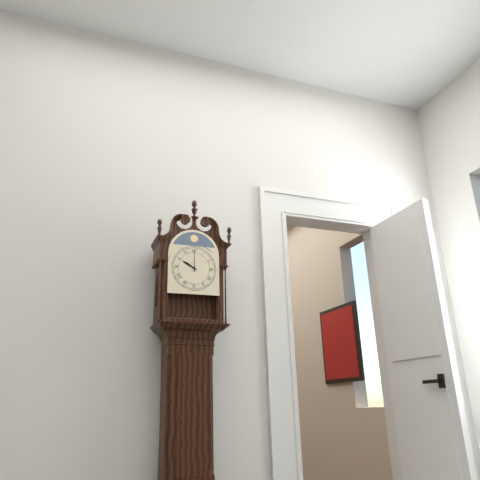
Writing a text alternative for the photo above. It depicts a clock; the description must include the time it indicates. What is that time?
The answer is 10:00
